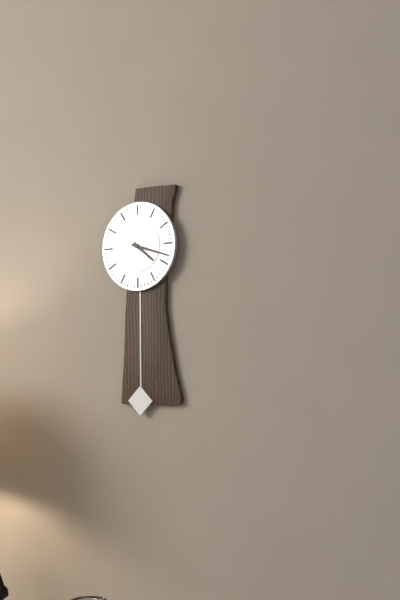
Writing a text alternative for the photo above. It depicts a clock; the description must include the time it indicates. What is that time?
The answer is 4:18
